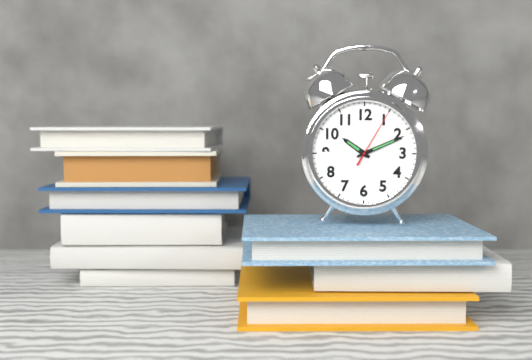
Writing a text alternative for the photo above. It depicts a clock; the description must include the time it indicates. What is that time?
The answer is 10:11:05
